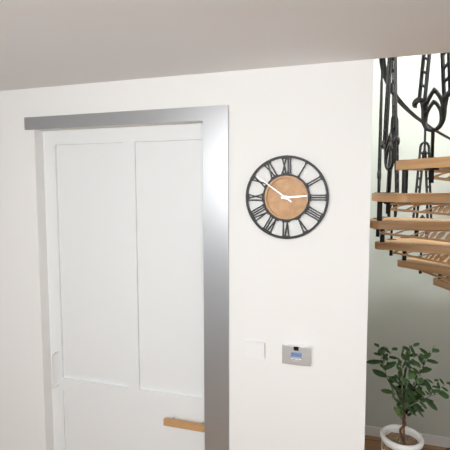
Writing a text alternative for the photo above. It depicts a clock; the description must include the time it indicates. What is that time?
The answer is 2:51
